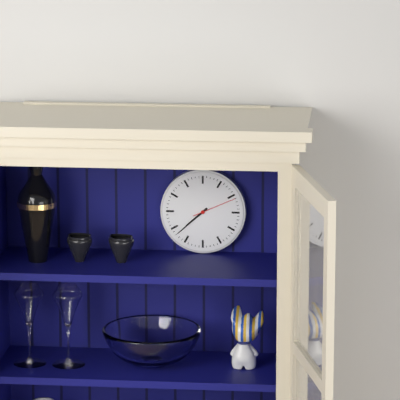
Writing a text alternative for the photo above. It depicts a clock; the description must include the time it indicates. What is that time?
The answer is 7:38
